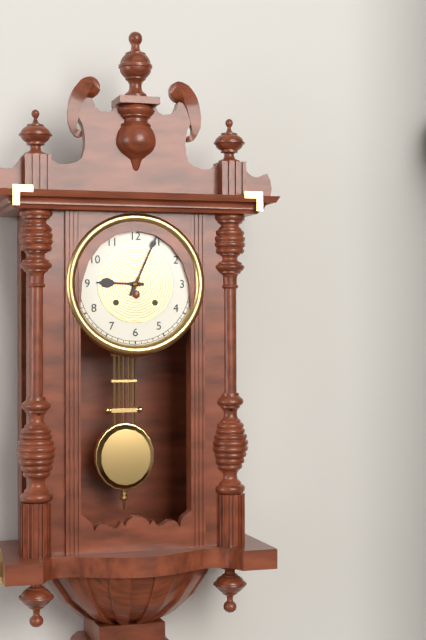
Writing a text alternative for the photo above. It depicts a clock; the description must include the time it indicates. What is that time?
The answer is 9:04
